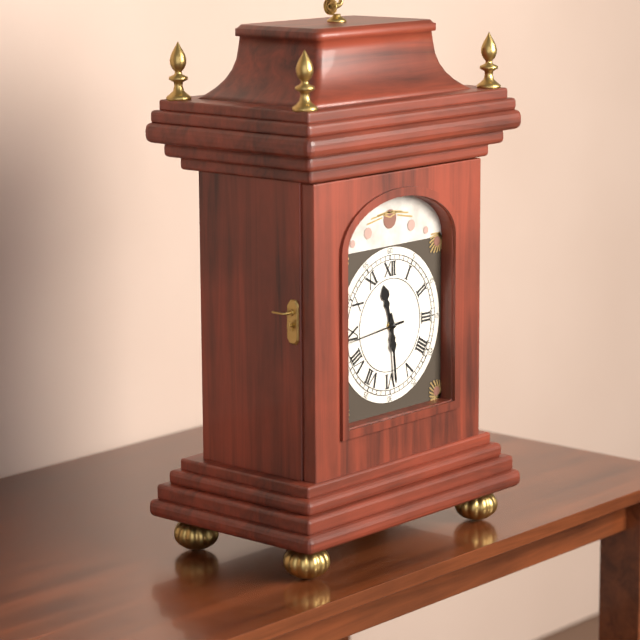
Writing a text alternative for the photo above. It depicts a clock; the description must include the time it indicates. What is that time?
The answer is 11:29:44
